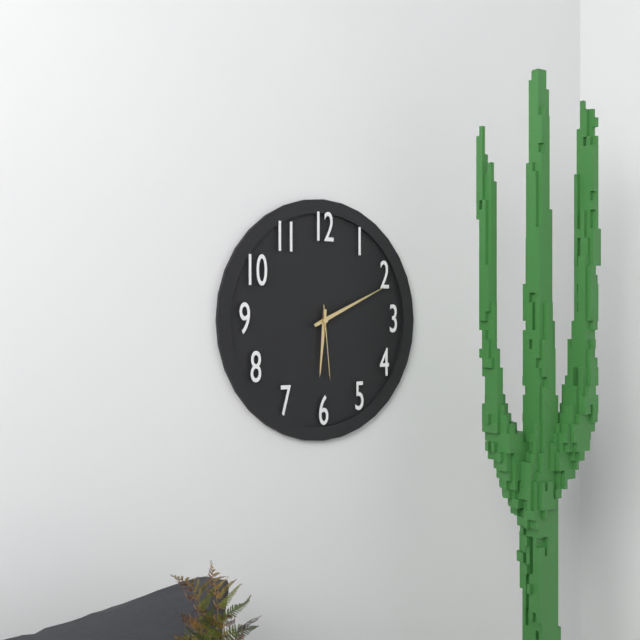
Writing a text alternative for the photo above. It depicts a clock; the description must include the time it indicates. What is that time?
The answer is 6:11:29
